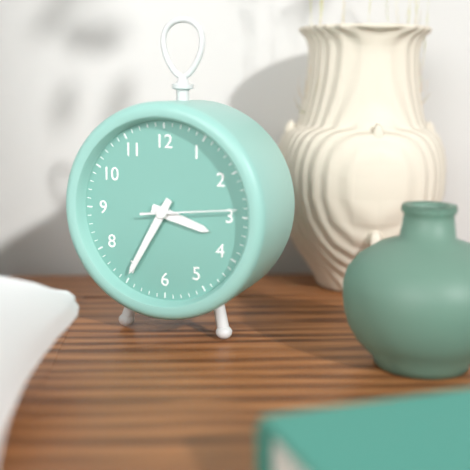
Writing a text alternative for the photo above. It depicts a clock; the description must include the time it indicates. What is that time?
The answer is 3:35:14
